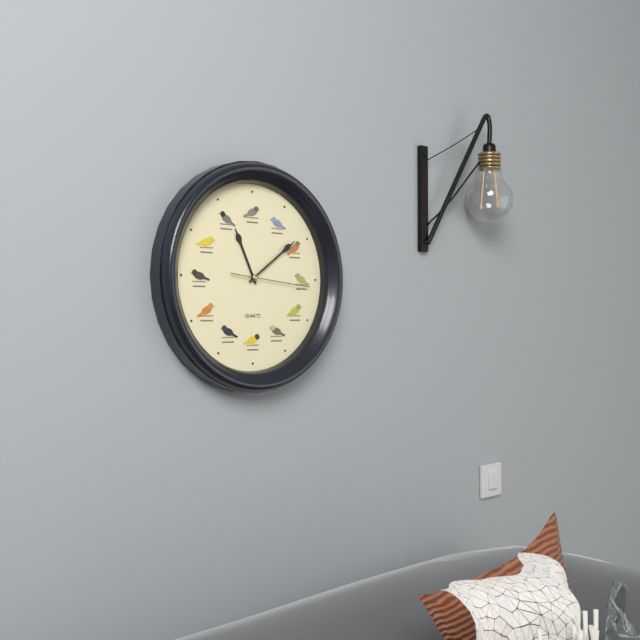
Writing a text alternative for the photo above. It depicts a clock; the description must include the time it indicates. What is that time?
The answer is 11:09:16
